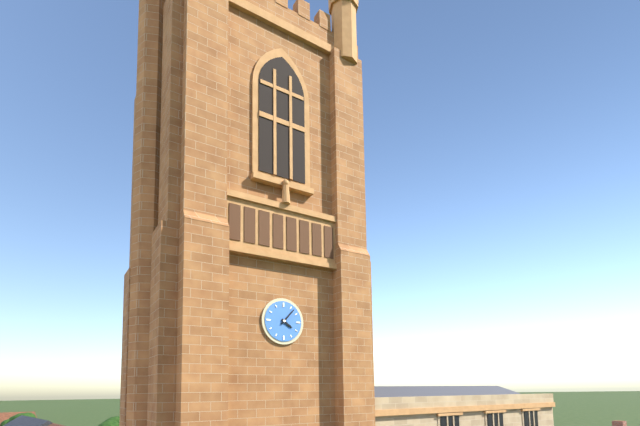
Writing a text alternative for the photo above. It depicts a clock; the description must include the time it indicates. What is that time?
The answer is 4:07
